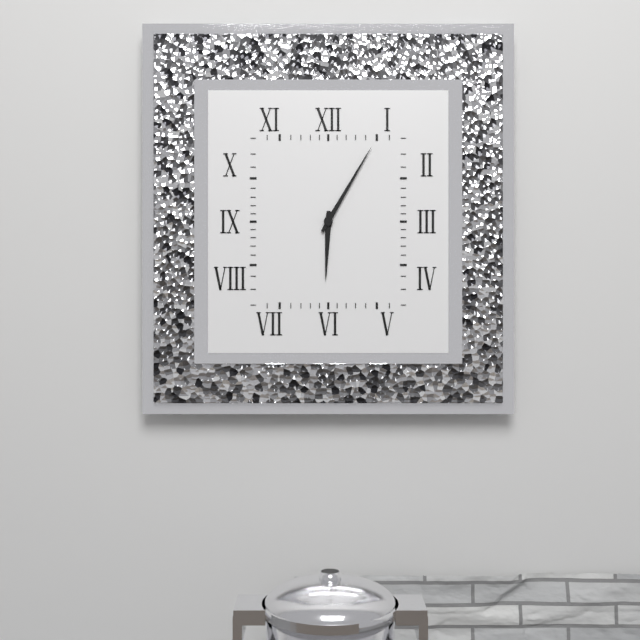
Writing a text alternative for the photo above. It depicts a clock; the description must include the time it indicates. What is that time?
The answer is 6:05
